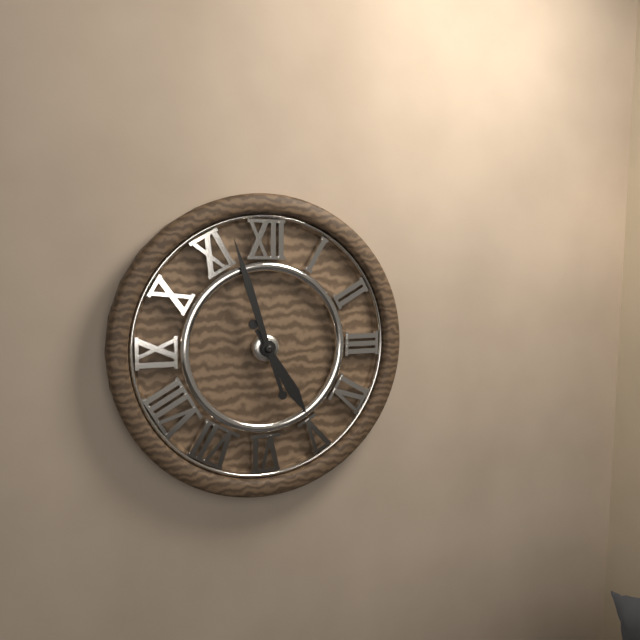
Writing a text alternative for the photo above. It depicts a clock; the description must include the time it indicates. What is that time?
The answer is 4:57
